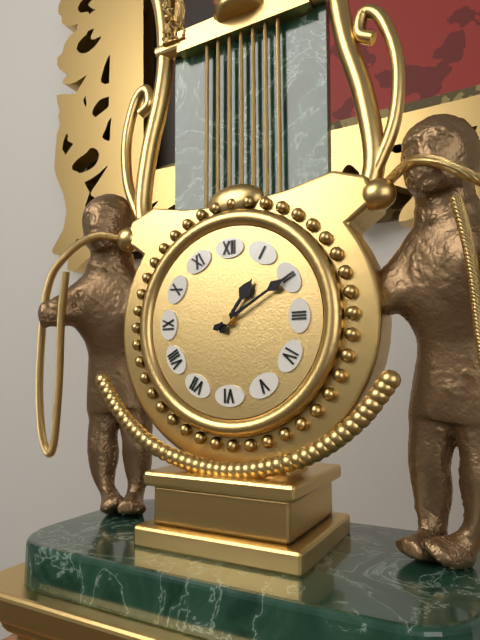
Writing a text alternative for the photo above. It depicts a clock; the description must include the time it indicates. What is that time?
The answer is 1:10
